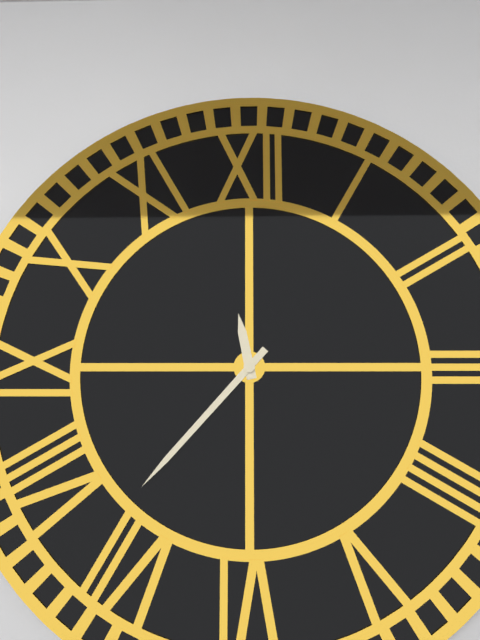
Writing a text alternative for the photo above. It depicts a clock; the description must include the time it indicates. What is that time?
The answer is 11:37
